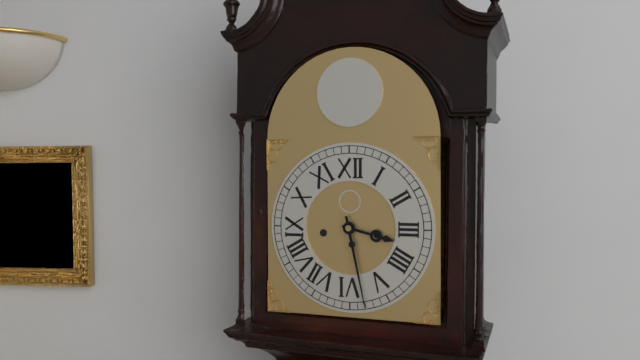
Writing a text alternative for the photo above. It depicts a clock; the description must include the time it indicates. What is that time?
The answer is 3:28
